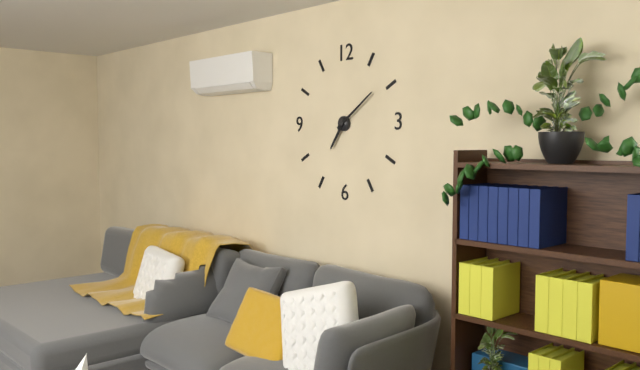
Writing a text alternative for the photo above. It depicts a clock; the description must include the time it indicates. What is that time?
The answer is 7:09
